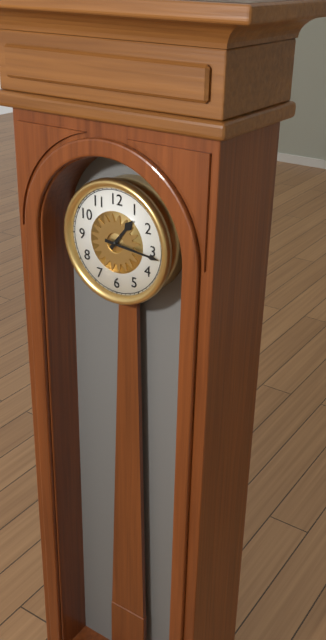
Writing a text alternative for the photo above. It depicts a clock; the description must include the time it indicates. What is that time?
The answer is 1:16
